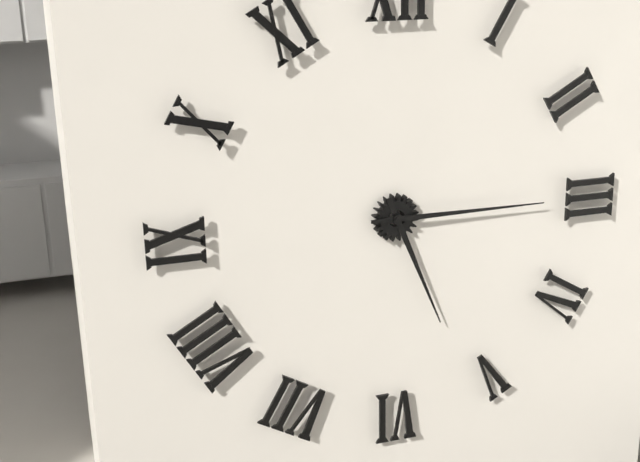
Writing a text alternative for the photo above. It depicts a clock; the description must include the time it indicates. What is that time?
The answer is 5:15
